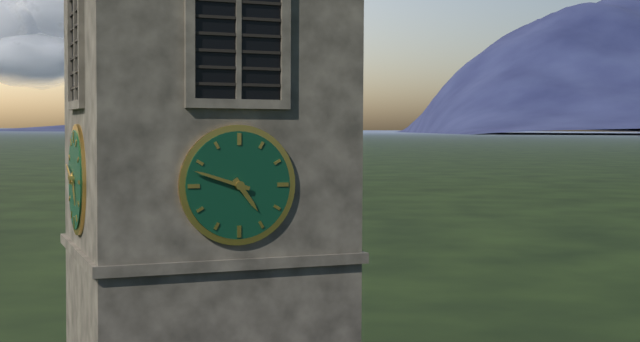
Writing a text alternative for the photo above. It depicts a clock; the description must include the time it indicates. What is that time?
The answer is 4:48
